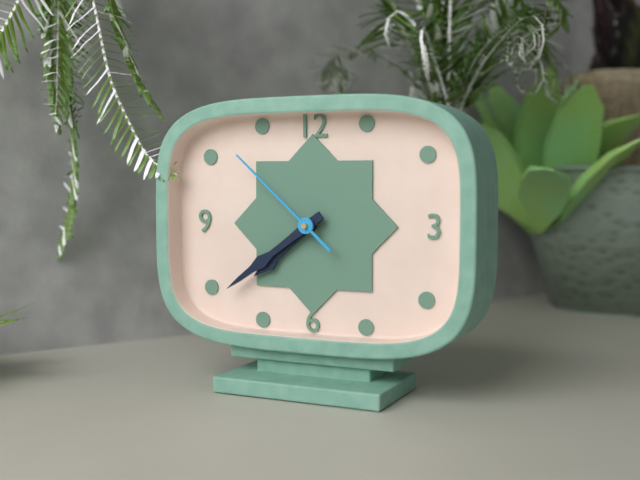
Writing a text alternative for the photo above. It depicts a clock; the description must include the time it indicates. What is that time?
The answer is 7:39:52
